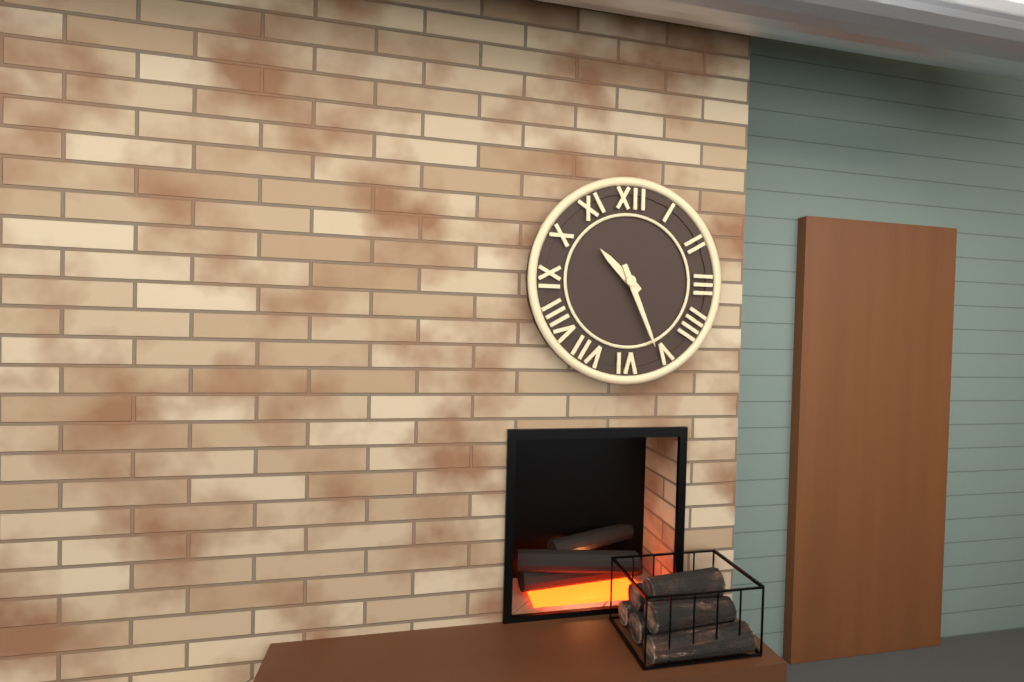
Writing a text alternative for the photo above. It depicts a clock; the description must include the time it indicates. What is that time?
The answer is 10:26
